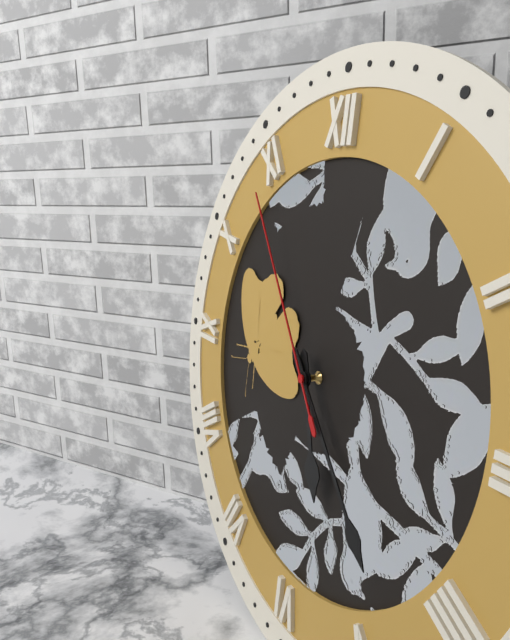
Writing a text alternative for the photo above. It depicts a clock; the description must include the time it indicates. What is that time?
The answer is 5:23:54
